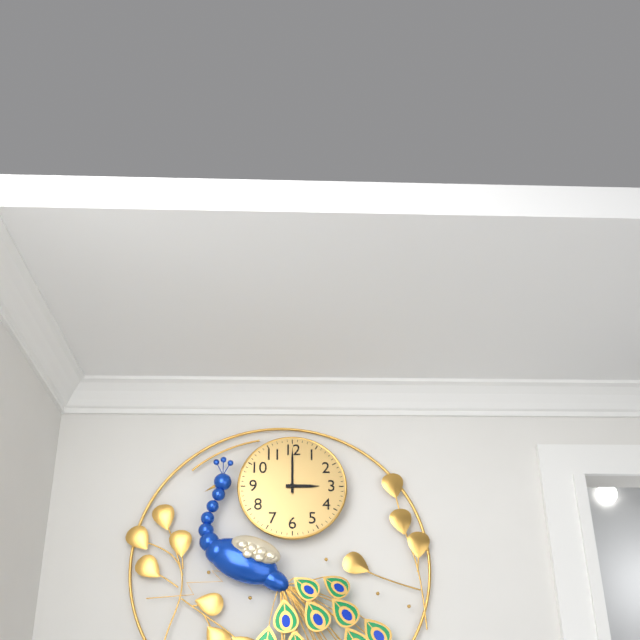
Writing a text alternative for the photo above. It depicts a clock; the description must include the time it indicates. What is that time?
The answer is 3:00
